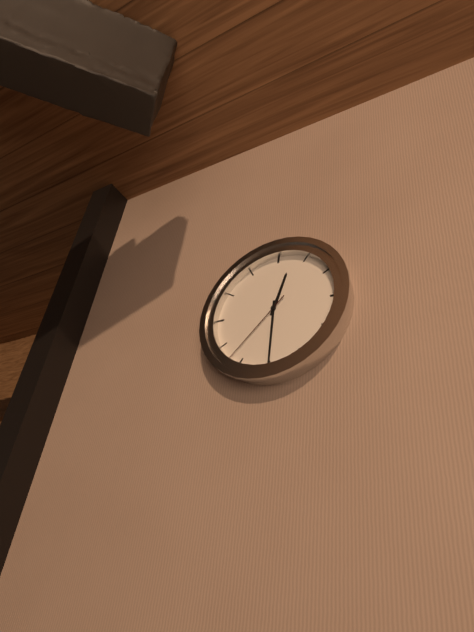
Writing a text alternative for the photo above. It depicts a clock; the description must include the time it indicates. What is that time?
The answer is 12:30:37
